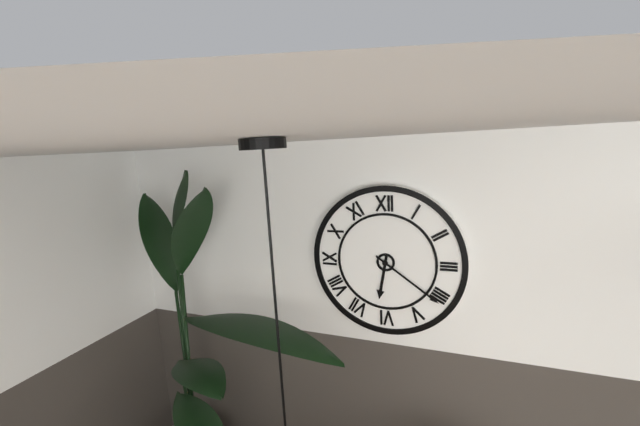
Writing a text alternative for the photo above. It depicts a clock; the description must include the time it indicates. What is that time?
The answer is 6:21
